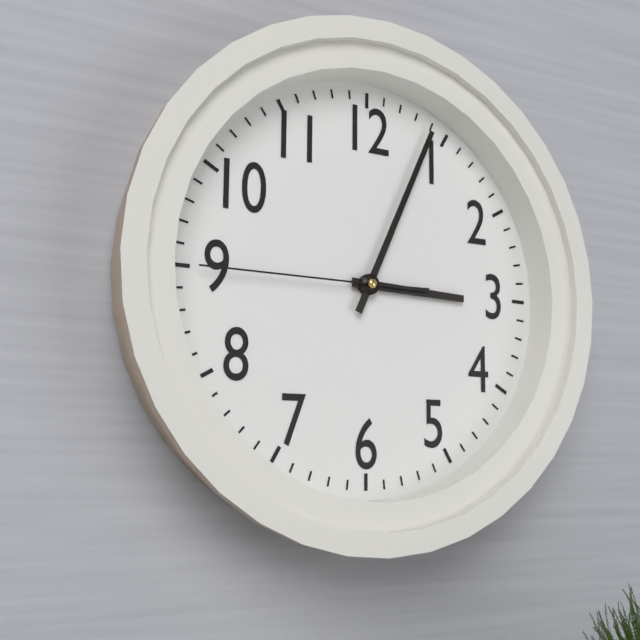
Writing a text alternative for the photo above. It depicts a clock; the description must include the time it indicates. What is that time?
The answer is 3:04:45
